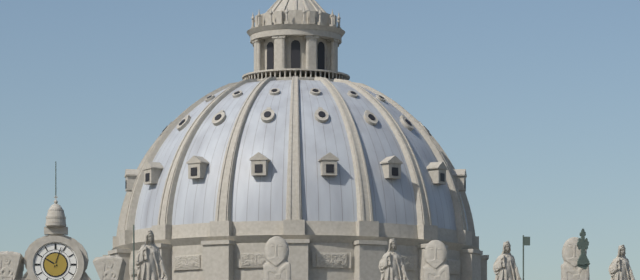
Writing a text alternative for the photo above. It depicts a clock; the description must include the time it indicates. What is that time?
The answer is 10:03
